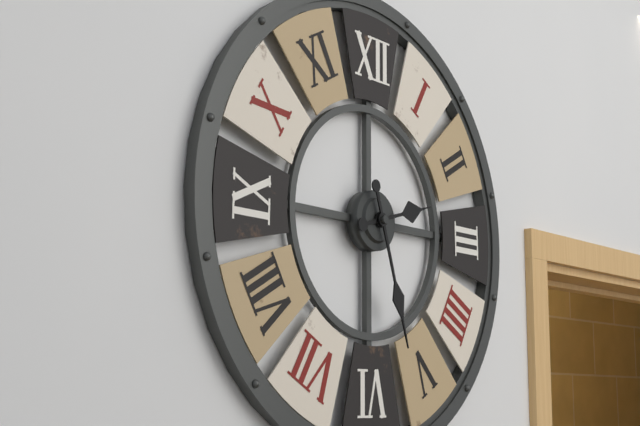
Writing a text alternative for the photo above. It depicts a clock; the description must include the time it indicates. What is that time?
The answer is 2:27
